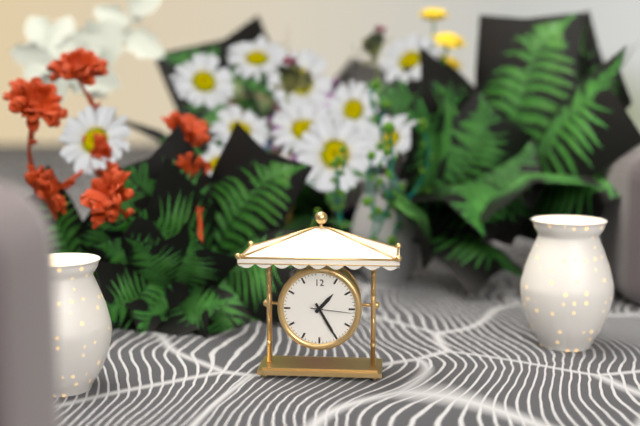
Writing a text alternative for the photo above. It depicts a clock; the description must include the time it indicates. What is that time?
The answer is 1:25
